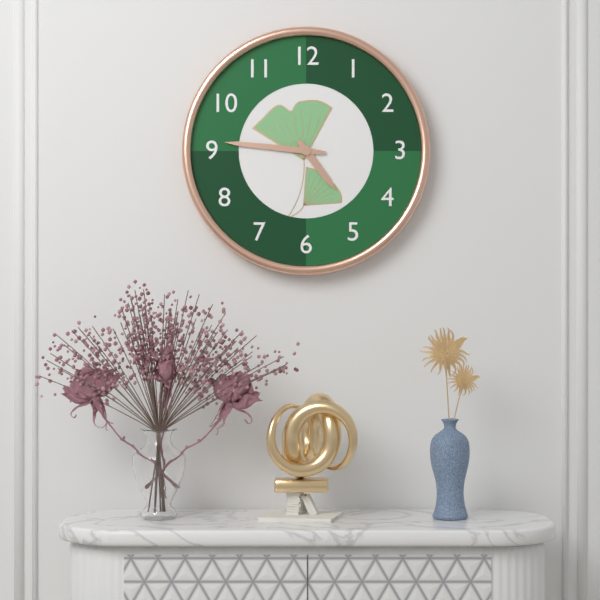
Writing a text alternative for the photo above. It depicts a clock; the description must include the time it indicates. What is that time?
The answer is 4:46
